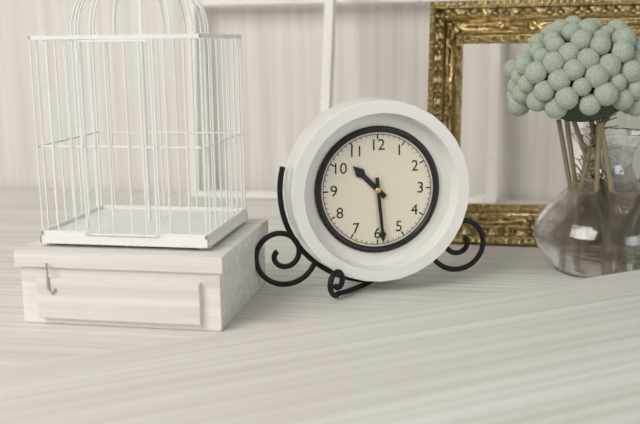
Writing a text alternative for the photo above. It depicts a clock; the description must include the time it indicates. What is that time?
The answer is 10:29
